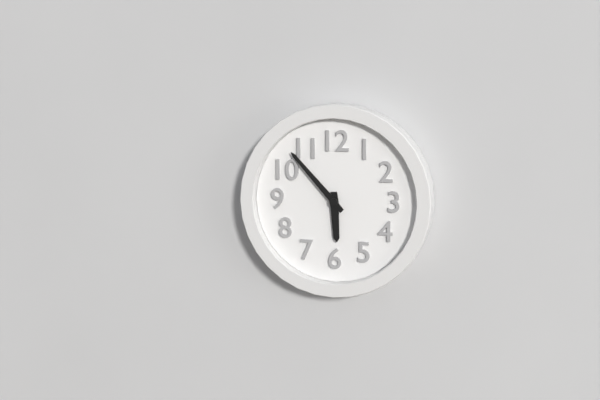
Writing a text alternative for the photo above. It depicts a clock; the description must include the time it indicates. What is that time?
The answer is 5:53
